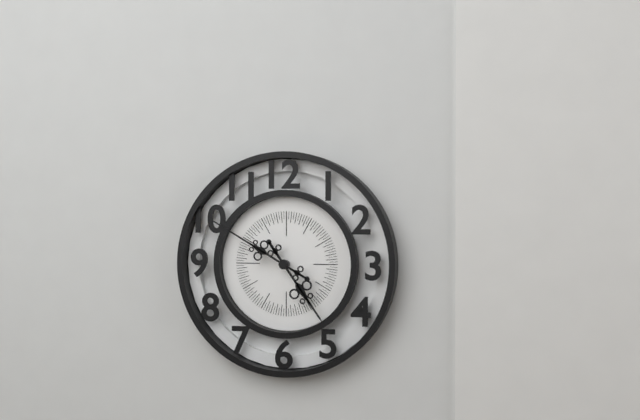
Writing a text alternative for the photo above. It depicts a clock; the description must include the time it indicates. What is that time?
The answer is 4:50
